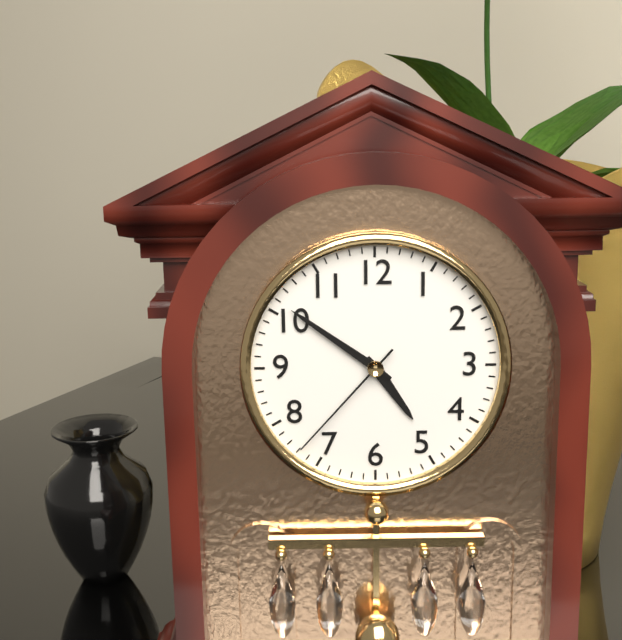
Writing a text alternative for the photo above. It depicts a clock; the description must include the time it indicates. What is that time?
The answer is 4:51:37
